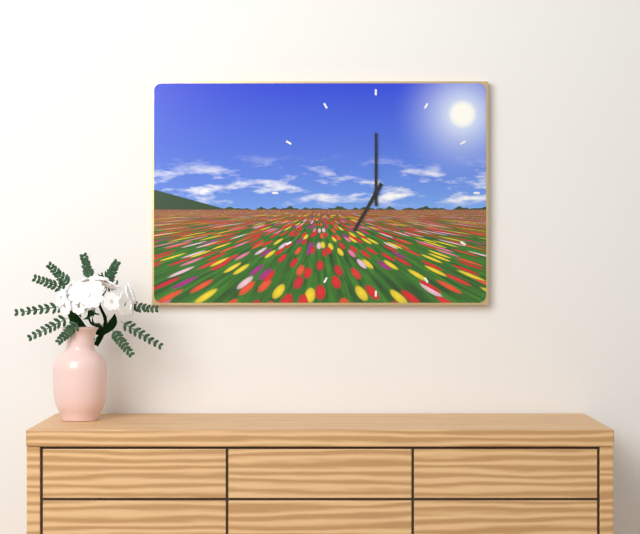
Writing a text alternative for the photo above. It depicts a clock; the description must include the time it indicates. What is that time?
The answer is 7:00
